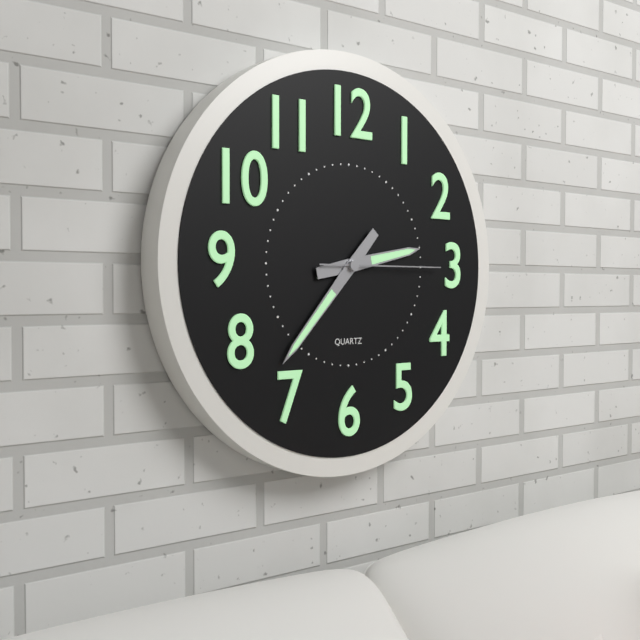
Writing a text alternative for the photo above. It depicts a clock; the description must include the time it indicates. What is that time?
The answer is 2:37:15
